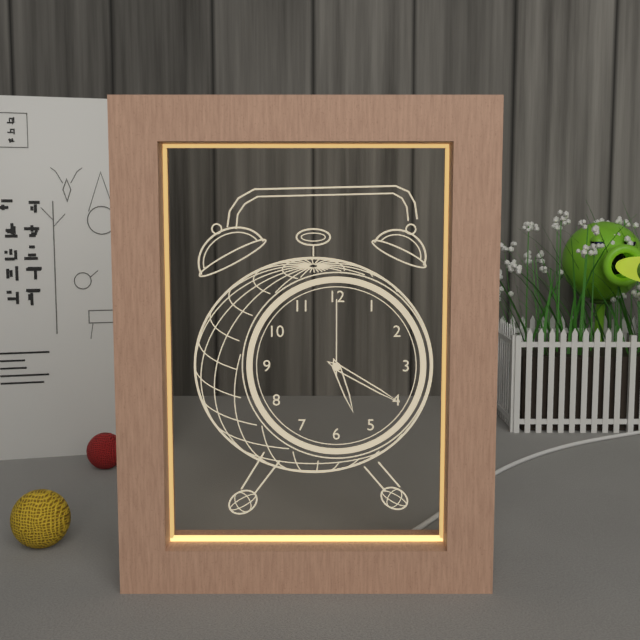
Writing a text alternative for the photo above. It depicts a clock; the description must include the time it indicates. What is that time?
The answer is 5:20:00
